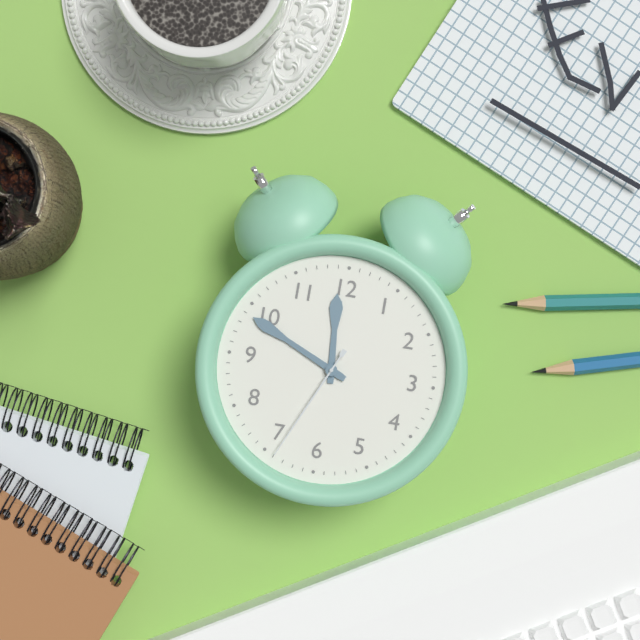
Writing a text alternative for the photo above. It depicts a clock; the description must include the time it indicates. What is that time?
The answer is 11:49:34
